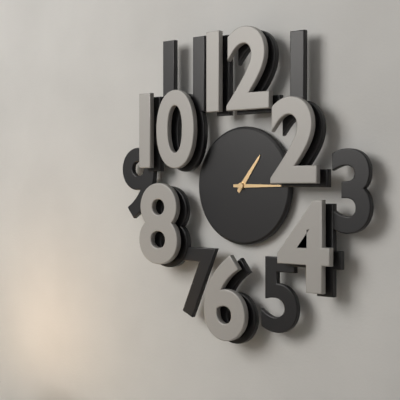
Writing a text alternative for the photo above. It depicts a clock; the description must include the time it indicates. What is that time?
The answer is 1:15
